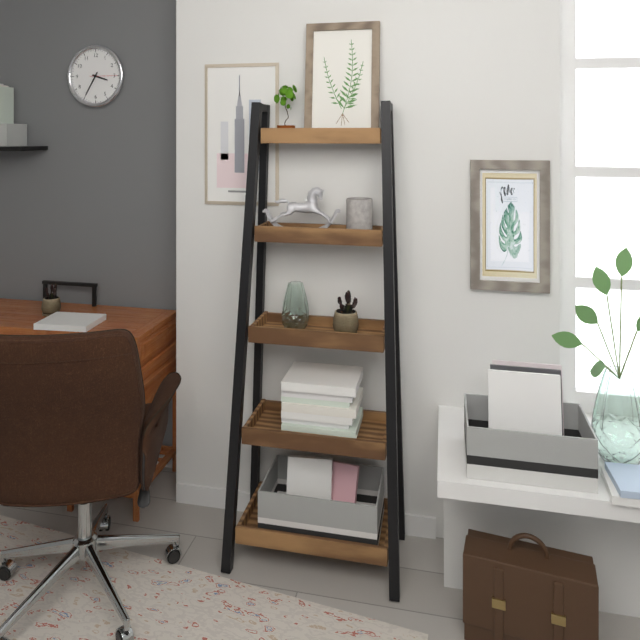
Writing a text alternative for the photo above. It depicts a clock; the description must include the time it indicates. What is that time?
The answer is 3:35
